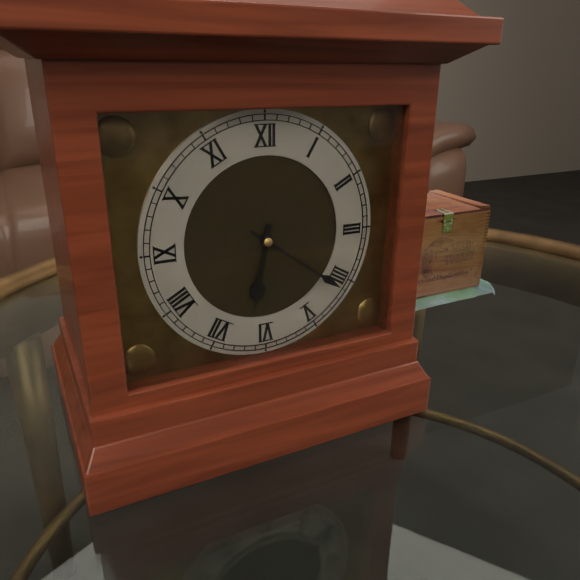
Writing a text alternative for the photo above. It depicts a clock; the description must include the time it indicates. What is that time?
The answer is 6:21
